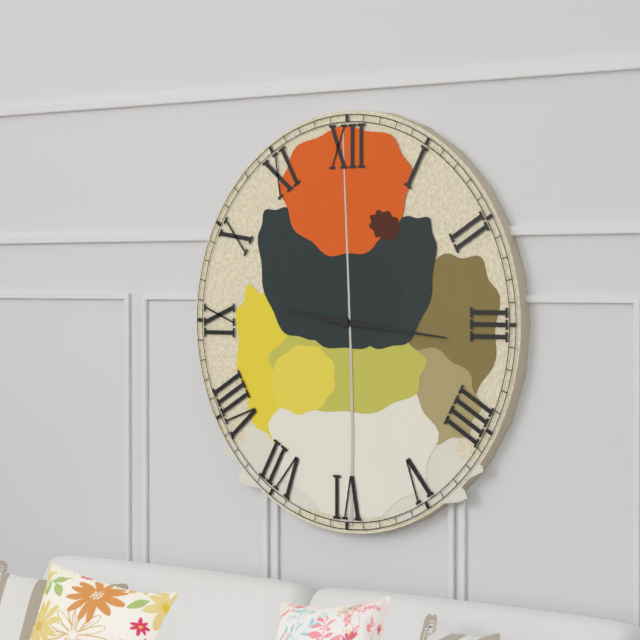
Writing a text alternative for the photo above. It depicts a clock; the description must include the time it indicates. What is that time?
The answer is 9:16
